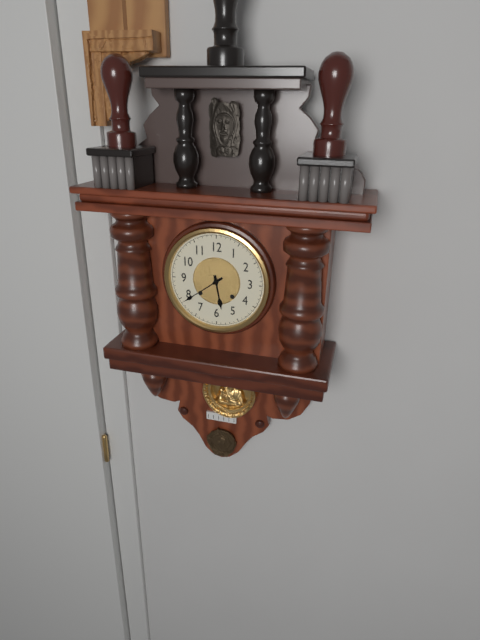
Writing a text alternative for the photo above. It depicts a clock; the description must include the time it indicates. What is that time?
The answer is 5:39
